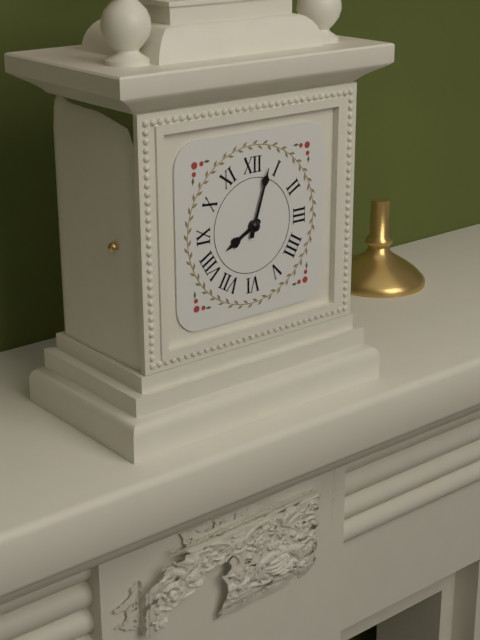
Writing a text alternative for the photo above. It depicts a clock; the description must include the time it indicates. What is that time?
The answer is 8:03
